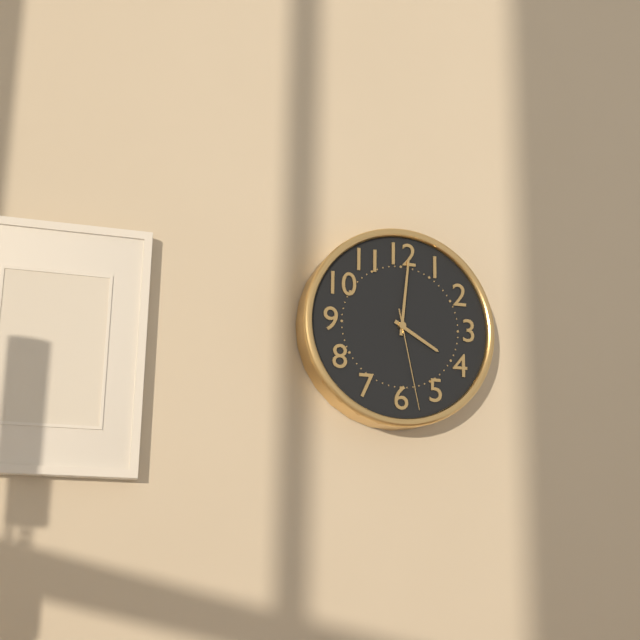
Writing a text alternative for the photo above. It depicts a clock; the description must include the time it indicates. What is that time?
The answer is 4:01:28
